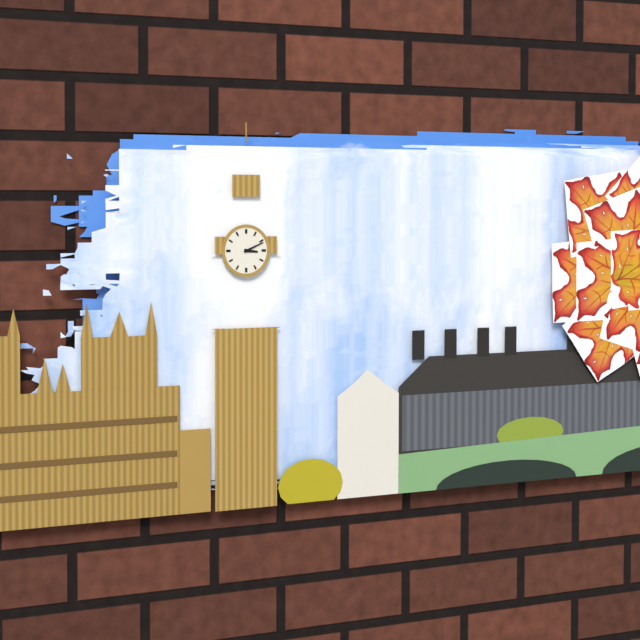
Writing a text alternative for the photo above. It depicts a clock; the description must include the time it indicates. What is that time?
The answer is 3:11
